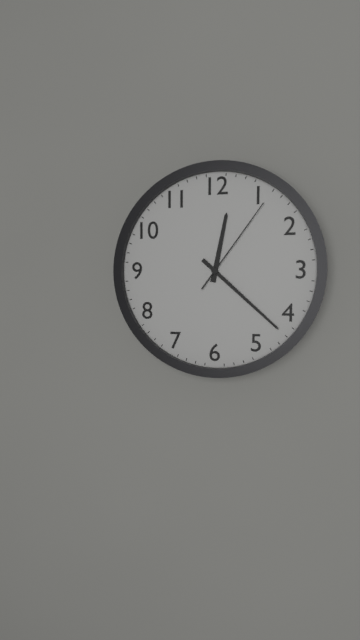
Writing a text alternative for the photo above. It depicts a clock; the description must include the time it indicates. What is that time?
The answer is 12:22:06
